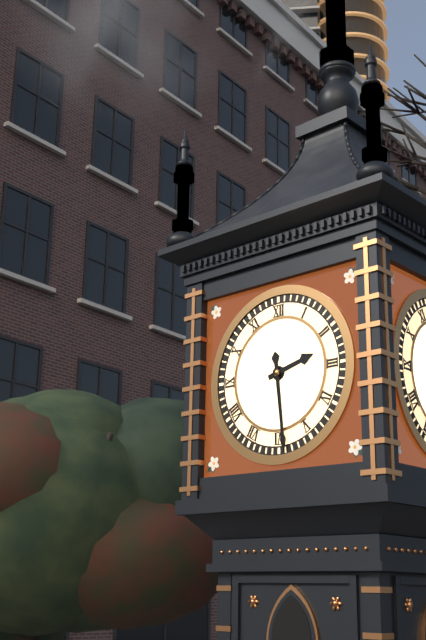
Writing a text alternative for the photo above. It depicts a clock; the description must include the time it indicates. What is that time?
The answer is 2:29
